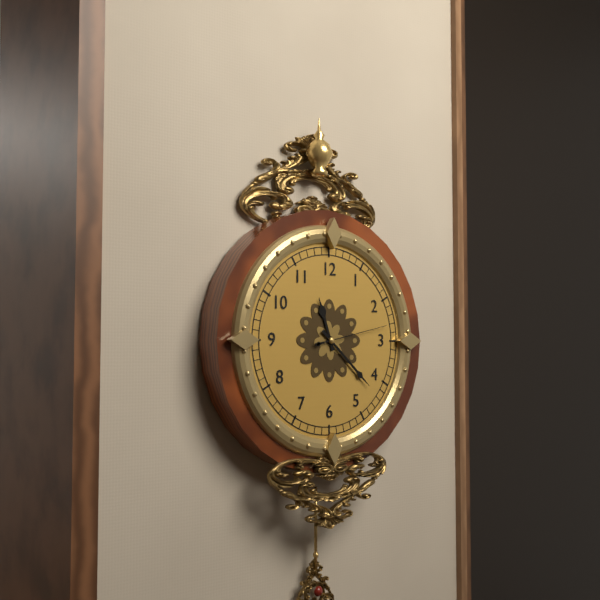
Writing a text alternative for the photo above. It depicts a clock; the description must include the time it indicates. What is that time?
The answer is 11:22:13
